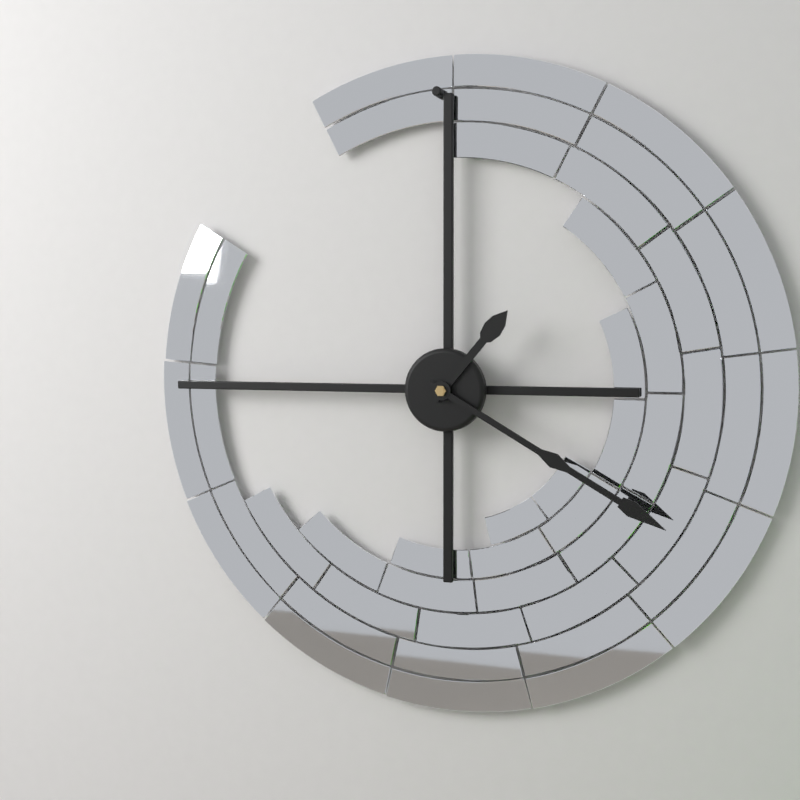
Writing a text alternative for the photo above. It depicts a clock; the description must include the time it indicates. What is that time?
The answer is 1:20
